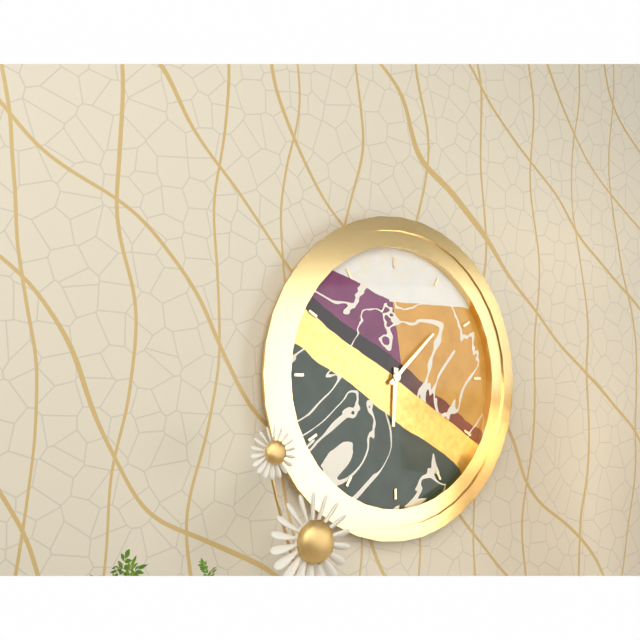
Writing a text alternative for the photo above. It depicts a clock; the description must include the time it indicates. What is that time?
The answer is 6:08
